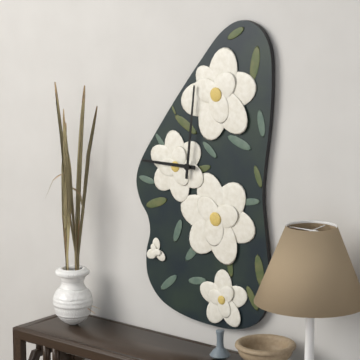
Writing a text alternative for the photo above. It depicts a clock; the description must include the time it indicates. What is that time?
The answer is 9:01
